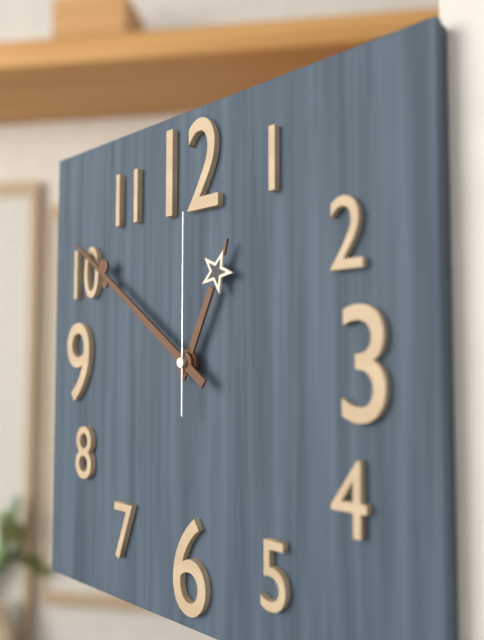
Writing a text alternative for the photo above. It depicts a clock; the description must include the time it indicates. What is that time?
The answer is 12:51:00
